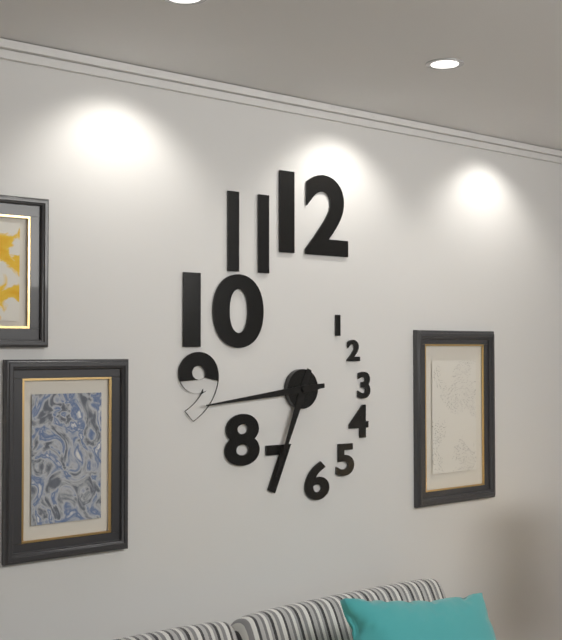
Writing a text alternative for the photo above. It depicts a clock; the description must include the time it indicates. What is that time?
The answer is 6:44
